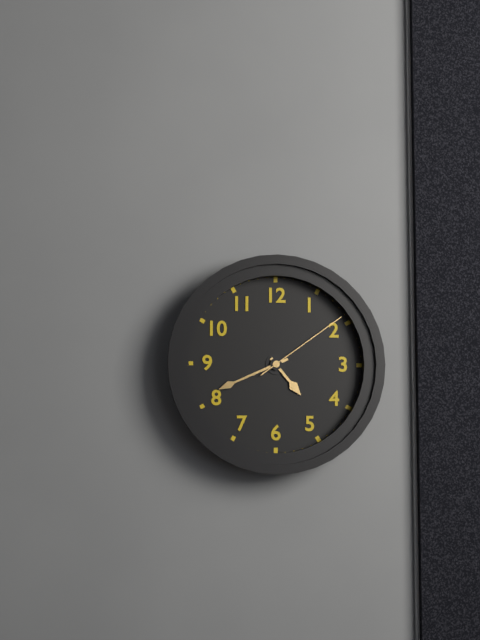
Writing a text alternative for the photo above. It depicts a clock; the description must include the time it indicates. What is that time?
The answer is 4:41:09
